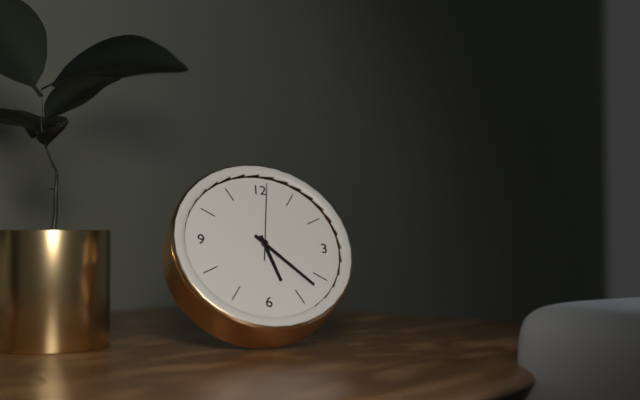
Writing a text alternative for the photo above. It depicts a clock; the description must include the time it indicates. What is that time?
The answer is 5:22:01
